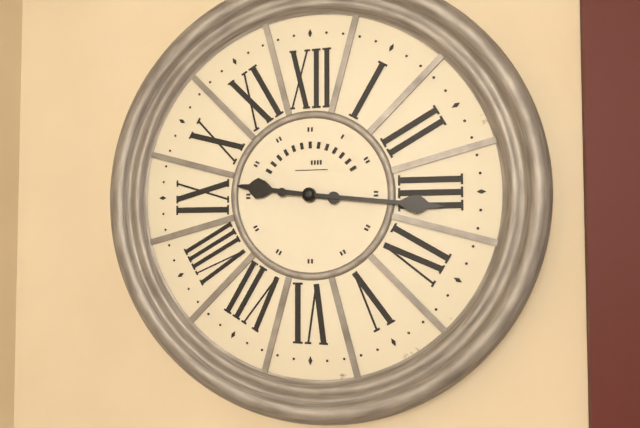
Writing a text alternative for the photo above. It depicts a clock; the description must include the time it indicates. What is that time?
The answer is 9:16
